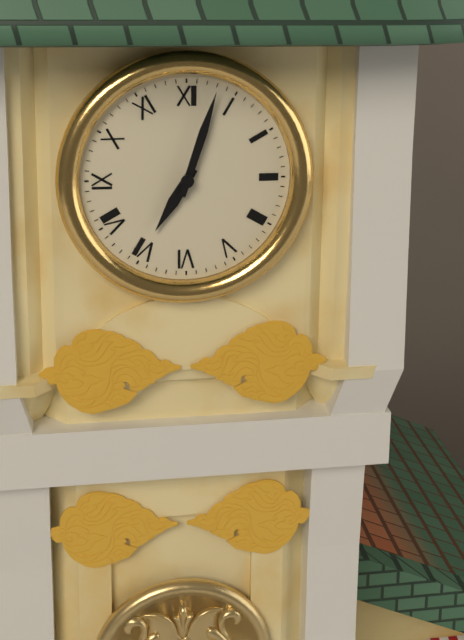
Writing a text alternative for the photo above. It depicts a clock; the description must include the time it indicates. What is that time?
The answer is 7:03
